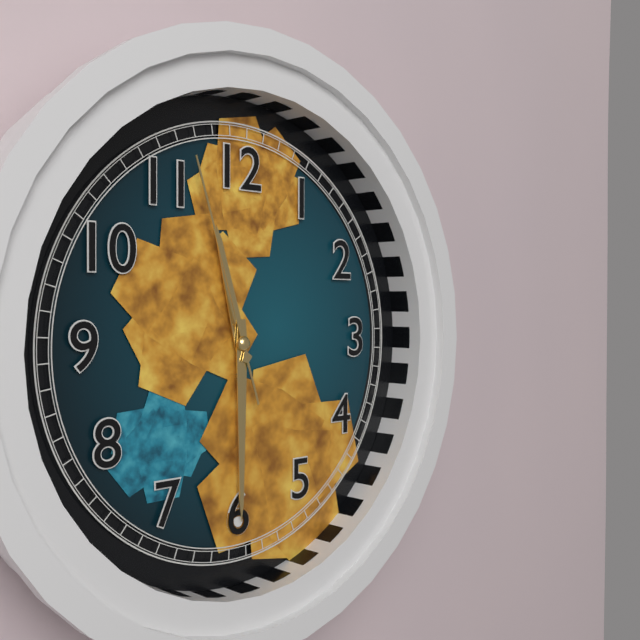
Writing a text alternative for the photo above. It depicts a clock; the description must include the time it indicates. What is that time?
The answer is 11:30:57
